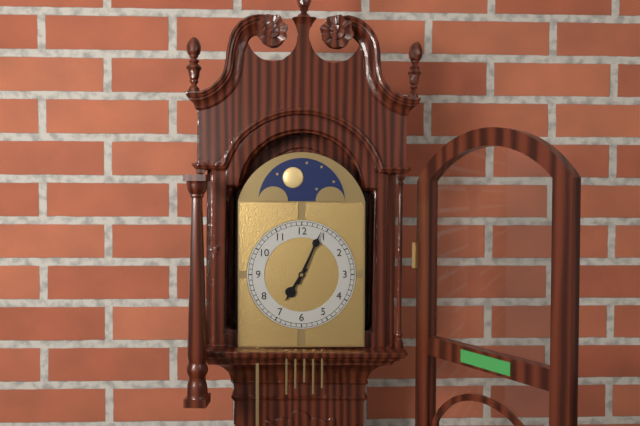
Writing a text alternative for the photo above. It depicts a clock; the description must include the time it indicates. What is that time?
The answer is 7:04
